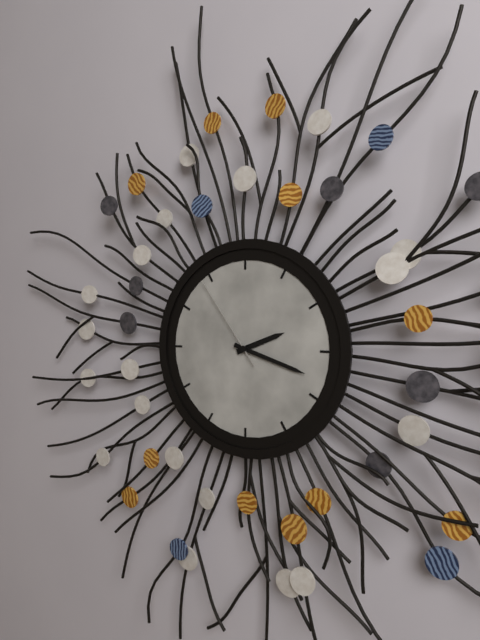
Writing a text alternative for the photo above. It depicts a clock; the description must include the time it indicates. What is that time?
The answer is 2:18:54
